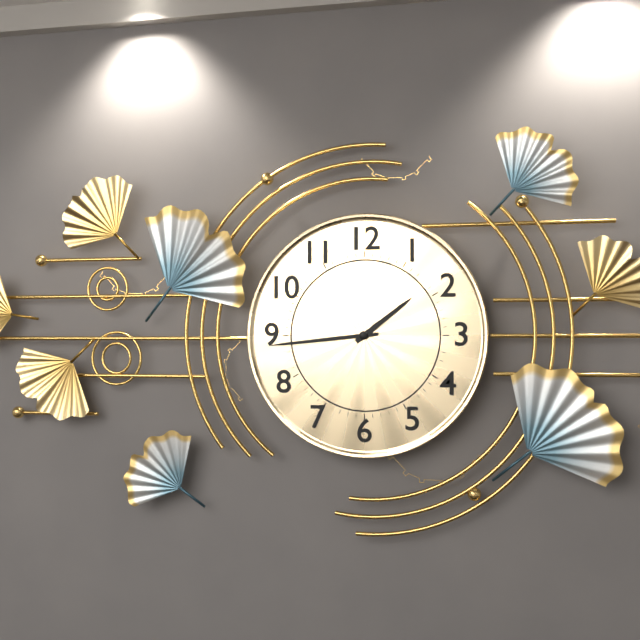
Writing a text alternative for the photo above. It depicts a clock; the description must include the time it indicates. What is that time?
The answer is 1:44
